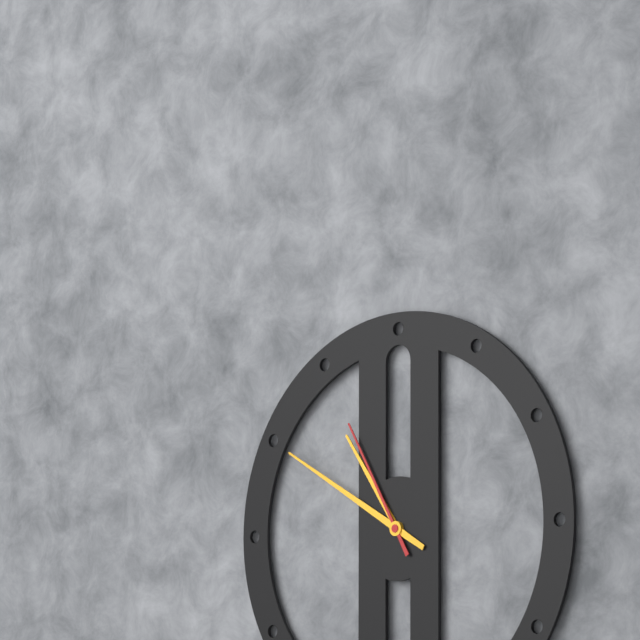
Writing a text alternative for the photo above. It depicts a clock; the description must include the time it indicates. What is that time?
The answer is 10:50:55
